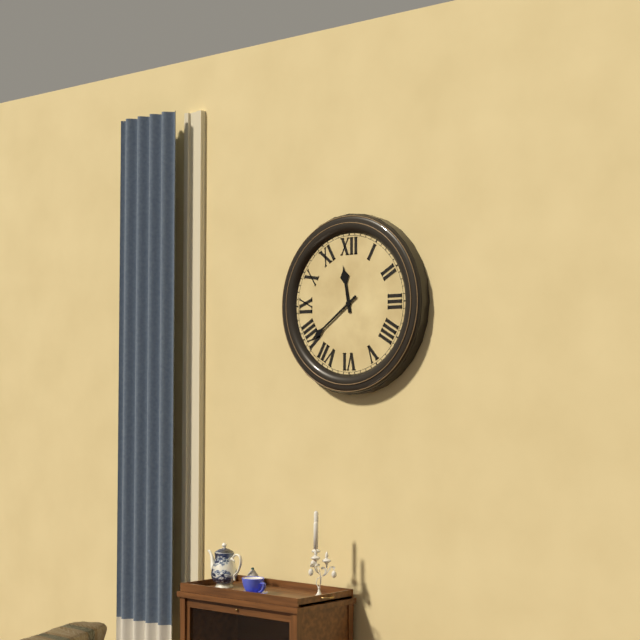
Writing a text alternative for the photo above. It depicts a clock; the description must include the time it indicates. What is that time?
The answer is 11:39
